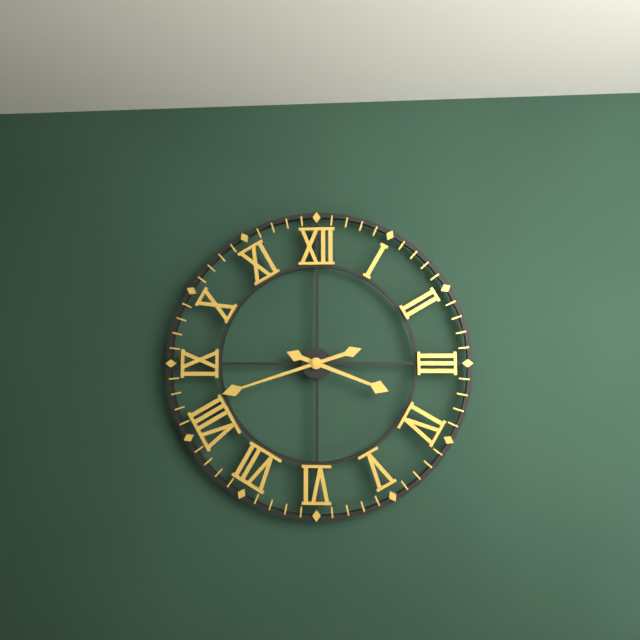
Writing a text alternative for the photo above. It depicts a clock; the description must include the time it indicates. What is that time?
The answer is 3:42
